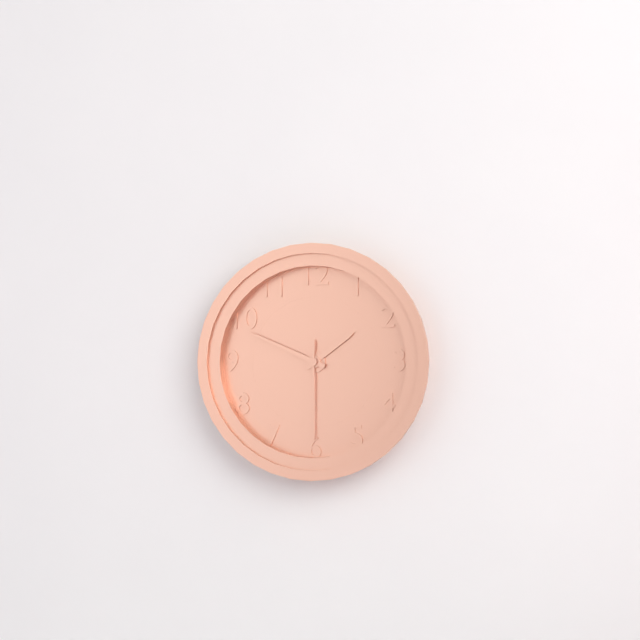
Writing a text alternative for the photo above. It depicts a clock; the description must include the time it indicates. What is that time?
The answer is 1:49:30
